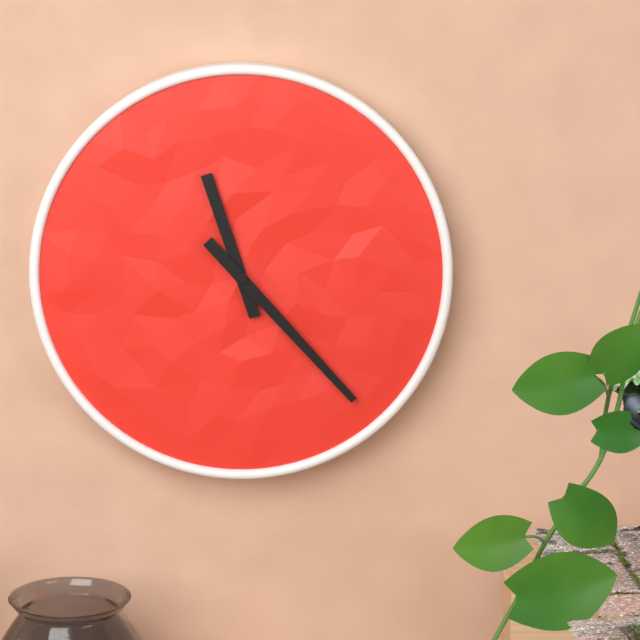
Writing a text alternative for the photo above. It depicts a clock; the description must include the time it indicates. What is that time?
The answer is 11:23
